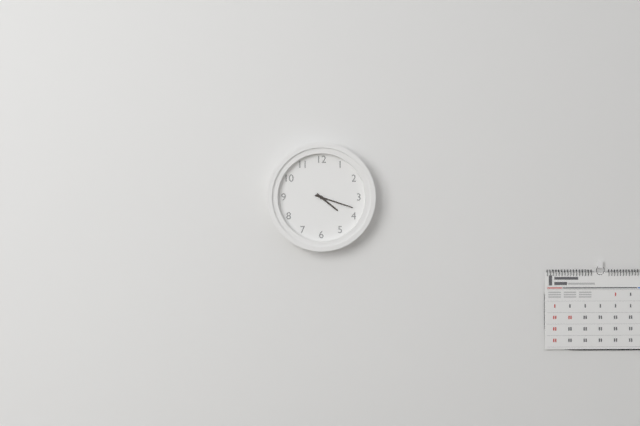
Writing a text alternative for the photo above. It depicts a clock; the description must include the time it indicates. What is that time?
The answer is 4:18
